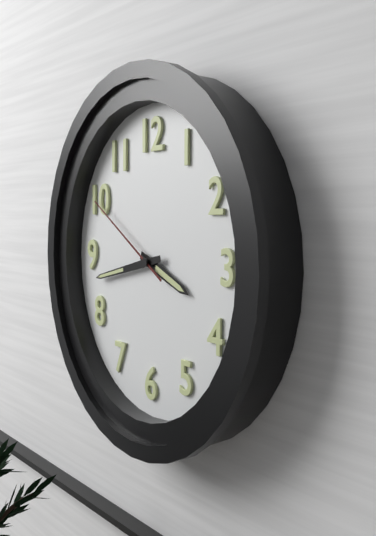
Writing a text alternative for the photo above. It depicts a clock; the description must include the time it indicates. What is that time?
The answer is 3:43:50
